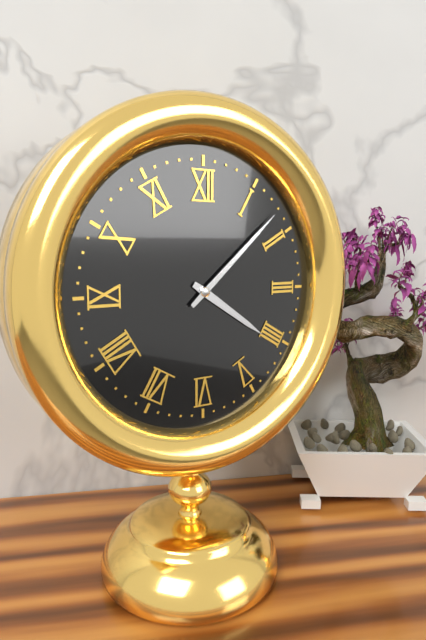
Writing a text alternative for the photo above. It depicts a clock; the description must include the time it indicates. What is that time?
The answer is 4:08
